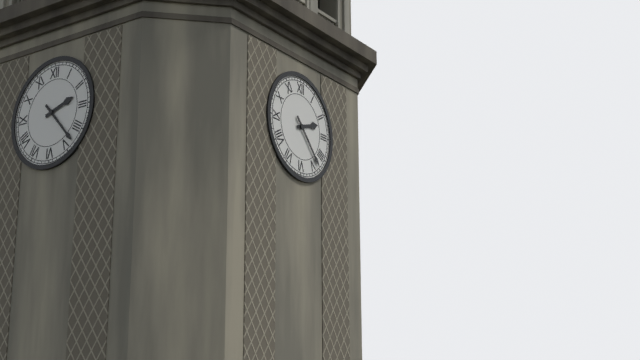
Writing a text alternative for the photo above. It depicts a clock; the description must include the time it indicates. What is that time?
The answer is 2:23
